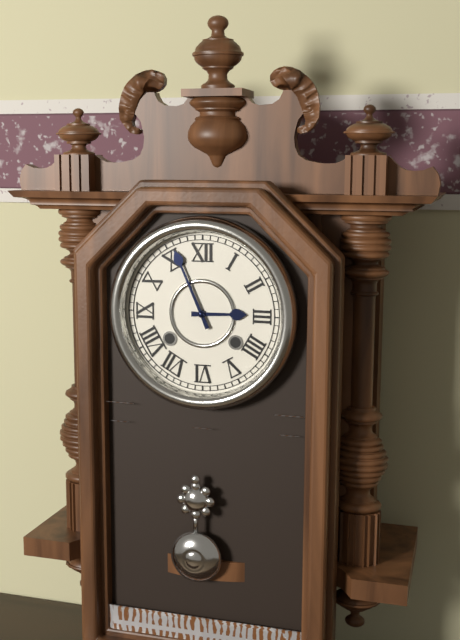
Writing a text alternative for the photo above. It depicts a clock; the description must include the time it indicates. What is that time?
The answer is 2:56
